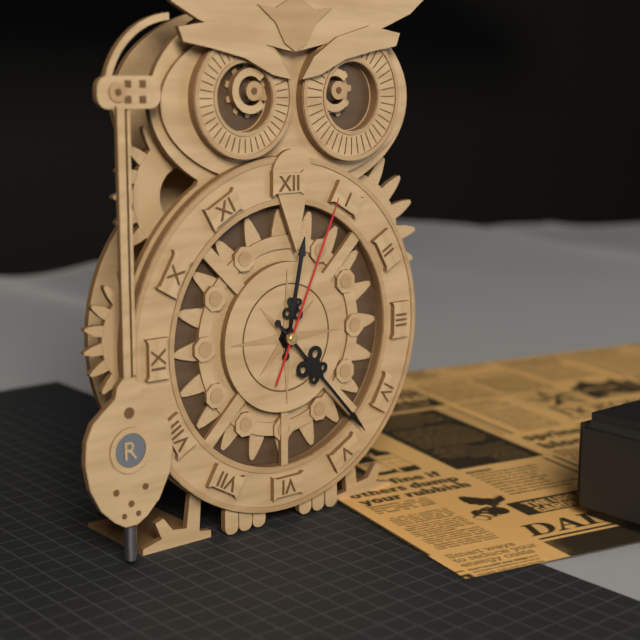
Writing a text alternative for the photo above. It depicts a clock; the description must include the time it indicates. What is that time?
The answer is 12:23:04
